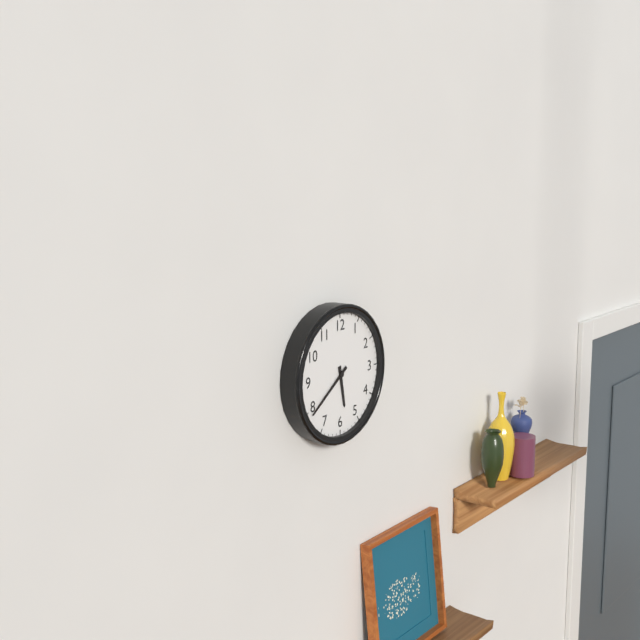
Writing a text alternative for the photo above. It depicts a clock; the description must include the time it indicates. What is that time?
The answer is 5:39
